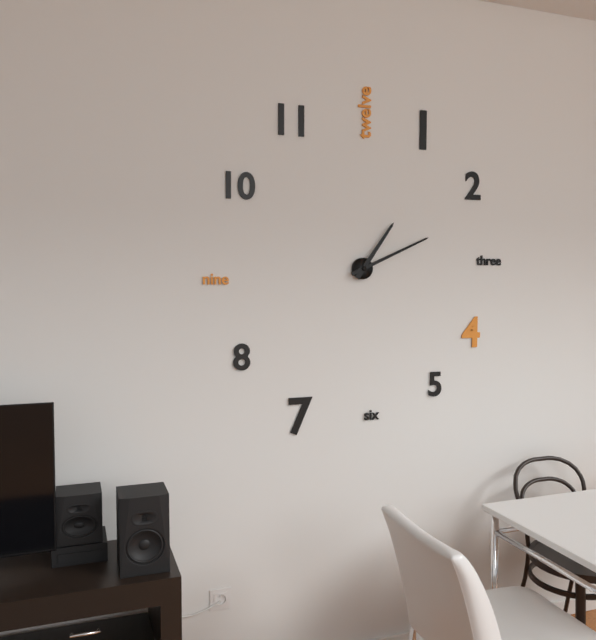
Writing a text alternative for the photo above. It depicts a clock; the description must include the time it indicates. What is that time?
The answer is 1:11
